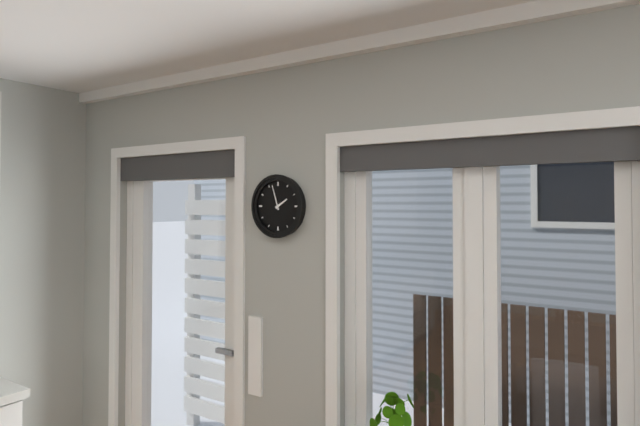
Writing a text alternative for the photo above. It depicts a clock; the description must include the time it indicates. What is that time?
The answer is 1:57
